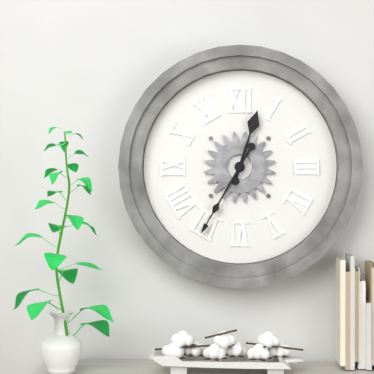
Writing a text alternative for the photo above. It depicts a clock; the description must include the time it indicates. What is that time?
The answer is 12:35
